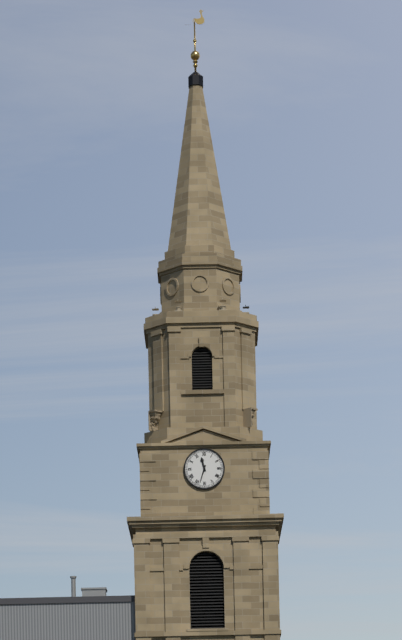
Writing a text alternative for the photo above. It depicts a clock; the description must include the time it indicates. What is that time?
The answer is 11:33
